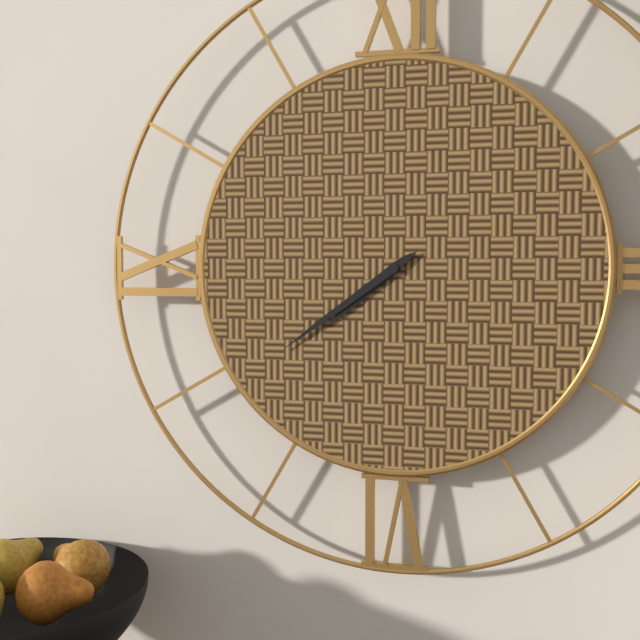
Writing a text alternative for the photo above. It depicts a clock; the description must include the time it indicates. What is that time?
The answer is 7:39
